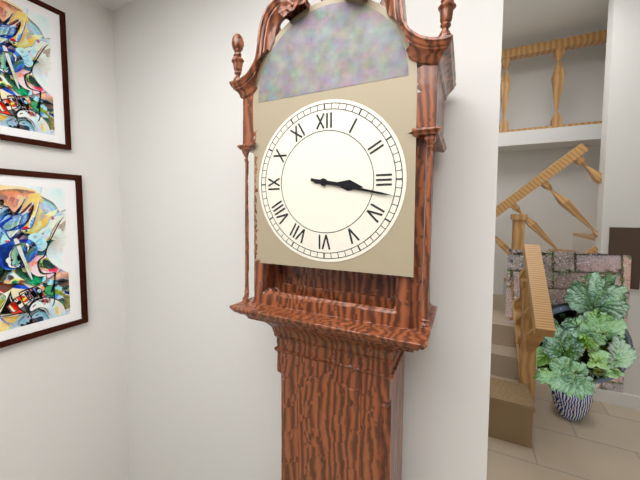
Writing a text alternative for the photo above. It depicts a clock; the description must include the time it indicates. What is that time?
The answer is 3:17
